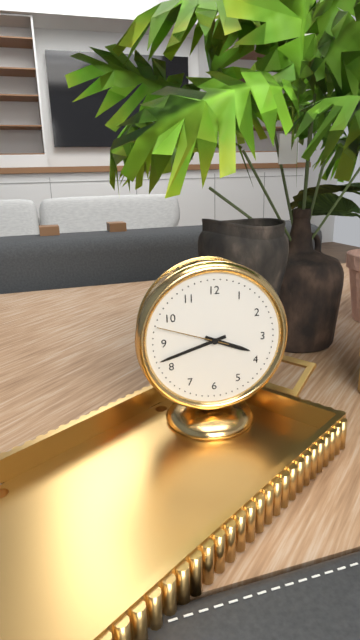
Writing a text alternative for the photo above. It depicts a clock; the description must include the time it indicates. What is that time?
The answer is 3:42:48
